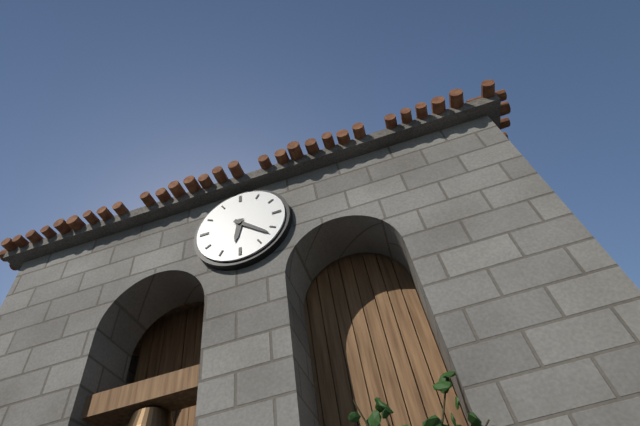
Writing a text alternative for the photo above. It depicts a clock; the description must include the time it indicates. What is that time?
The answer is 6:22
